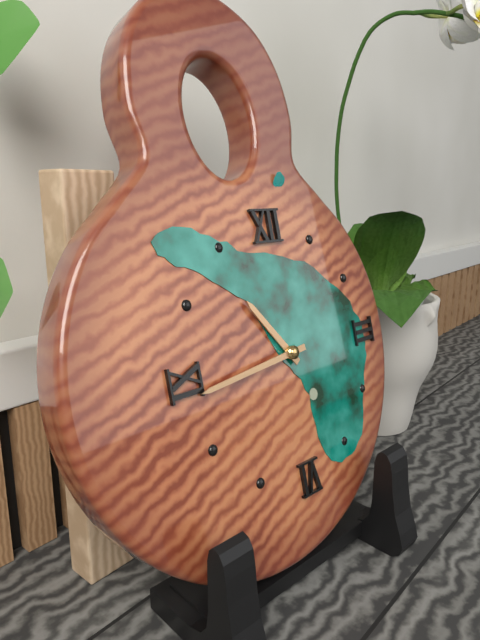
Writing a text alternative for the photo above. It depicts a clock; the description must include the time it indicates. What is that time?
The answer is 10:44
